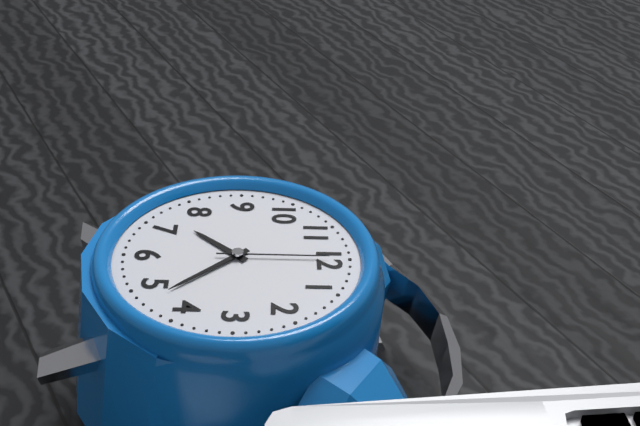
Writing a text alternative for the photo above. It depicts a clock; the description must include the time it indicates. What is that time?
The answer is 7:23:00
